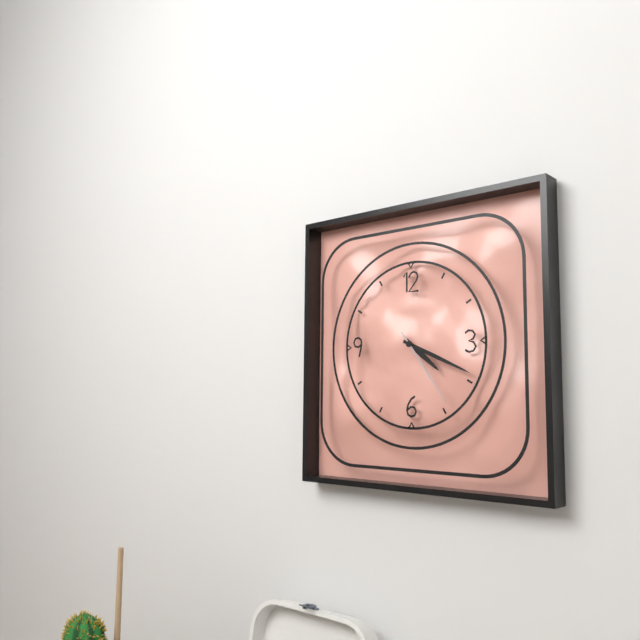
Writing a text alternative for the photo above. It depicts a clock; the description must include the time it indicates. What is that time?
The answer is 4:19:24
